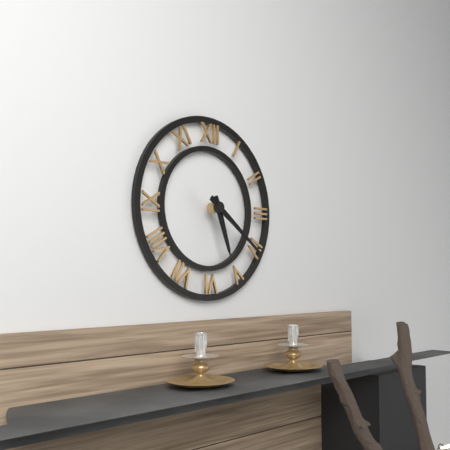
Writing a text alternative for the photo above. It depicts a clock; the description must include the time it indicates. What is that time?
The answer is 5:21
